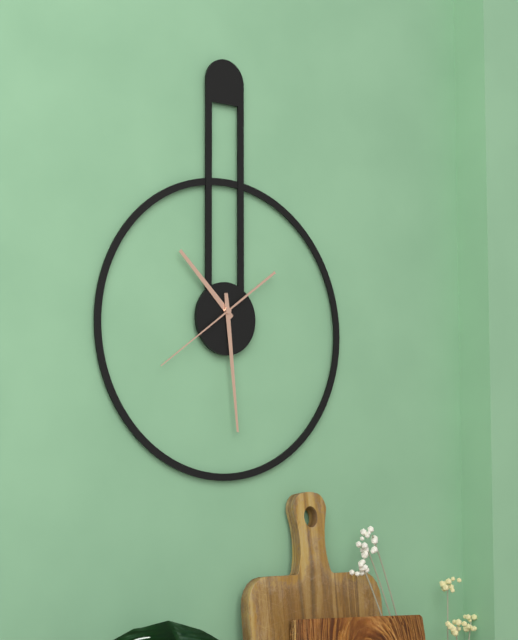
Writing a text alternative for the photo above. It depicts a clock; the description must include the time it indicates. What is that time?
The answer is 10:29:39
